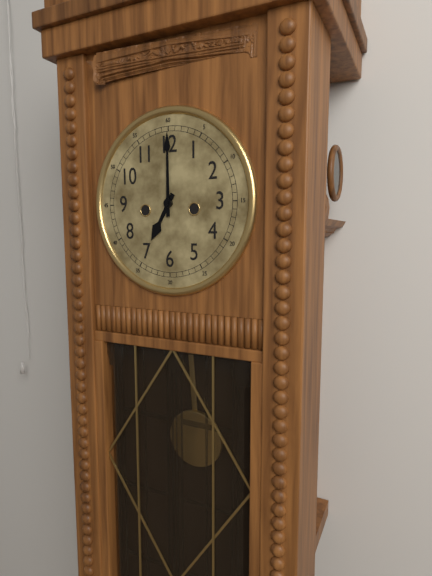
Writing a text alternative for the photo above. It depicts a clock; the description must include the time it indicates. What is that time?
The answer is 7:00
